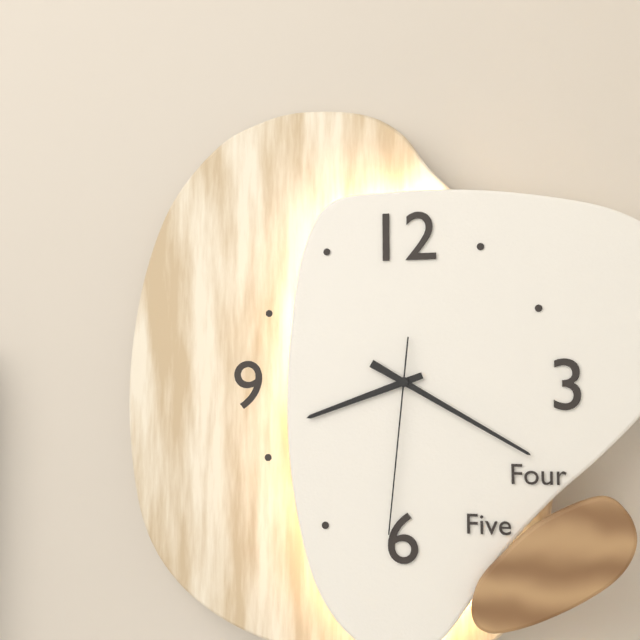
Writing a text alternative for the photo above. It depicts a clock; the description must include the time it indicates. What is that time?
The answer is 8:20:31
